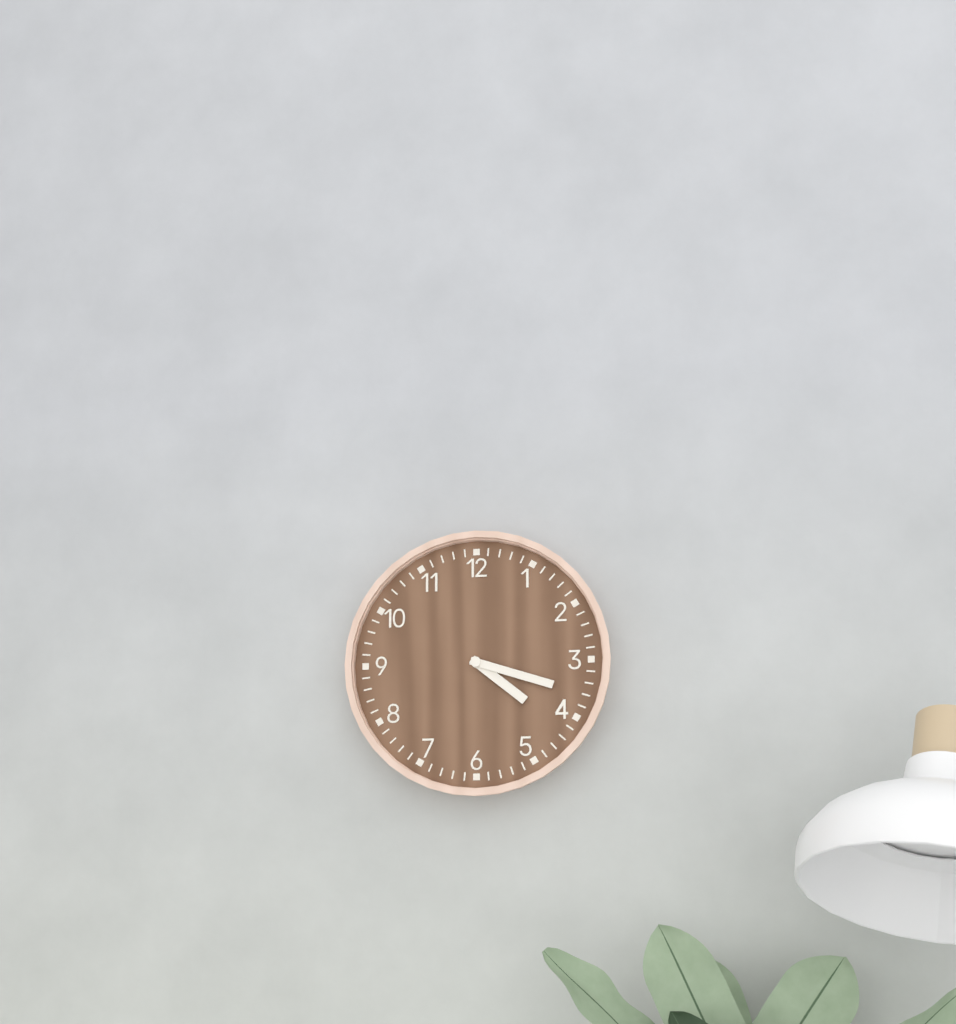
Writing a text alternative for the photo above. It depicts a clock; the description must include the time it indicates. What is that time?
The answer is 4:18
